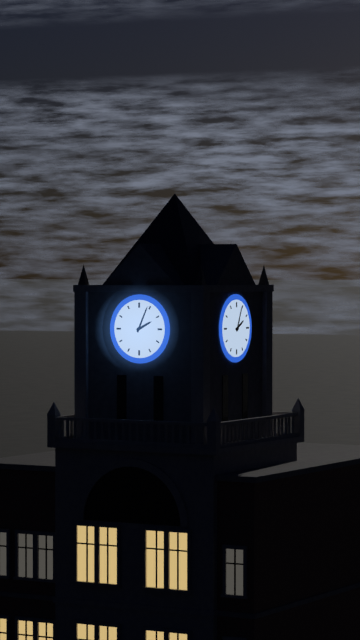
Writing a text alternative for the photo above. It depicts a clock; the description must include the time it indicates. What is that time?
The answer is 2:04
